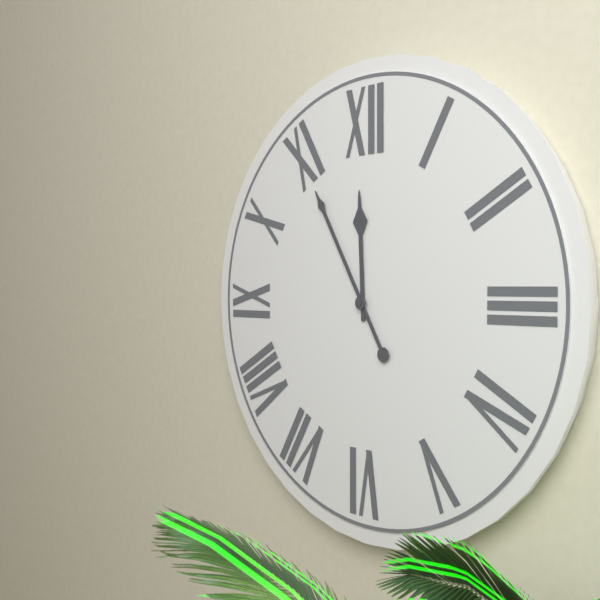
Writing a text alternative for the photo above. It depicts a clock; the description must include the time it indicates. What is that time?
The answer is 11:55
